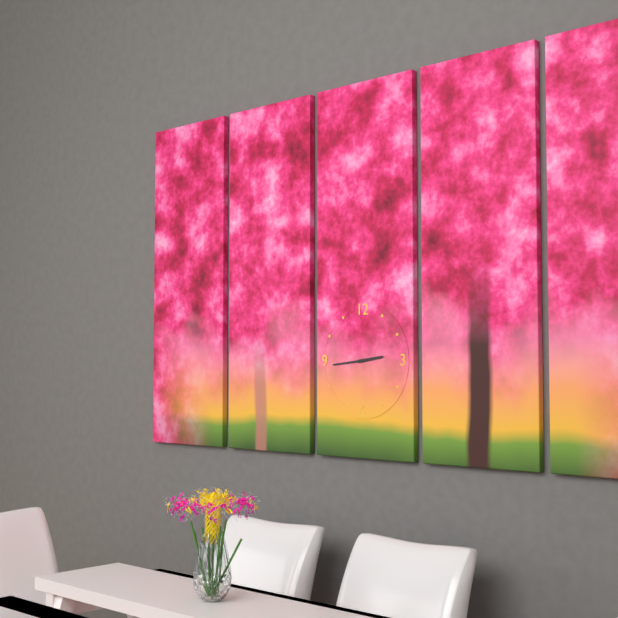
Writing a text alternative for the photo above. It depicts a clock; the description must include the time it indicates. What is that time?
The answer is 2:44
